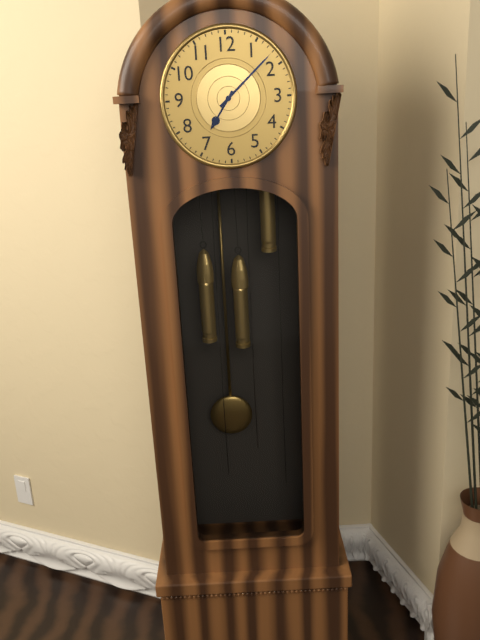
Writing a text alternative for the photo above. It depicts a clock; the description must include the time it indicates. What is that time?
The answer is 7:08
